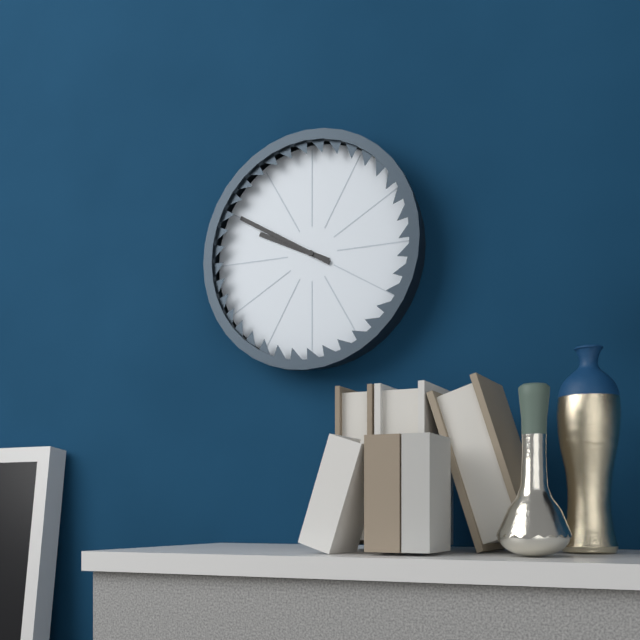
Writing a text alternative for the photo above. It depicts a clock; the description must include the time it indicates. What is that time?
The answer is 9:50
